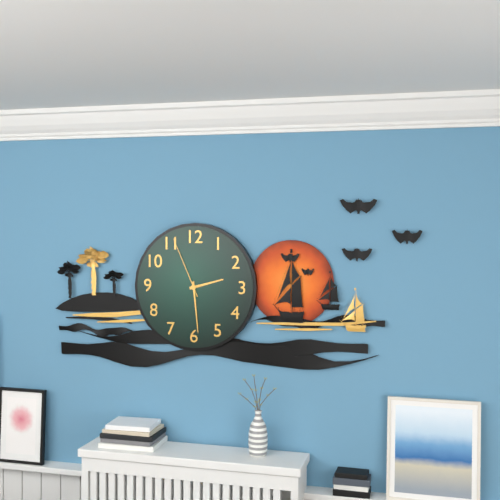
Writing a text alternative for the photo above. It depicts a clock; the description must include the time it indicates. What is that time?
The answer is 2:29:56
